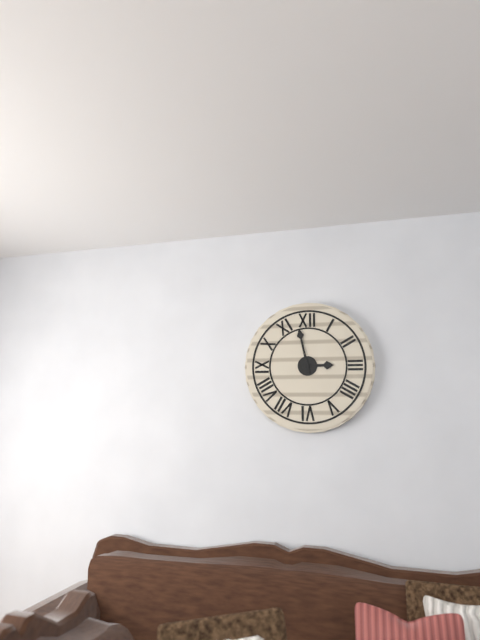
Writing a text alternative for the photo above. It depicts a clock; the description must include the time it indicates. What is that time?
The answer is 2:58
